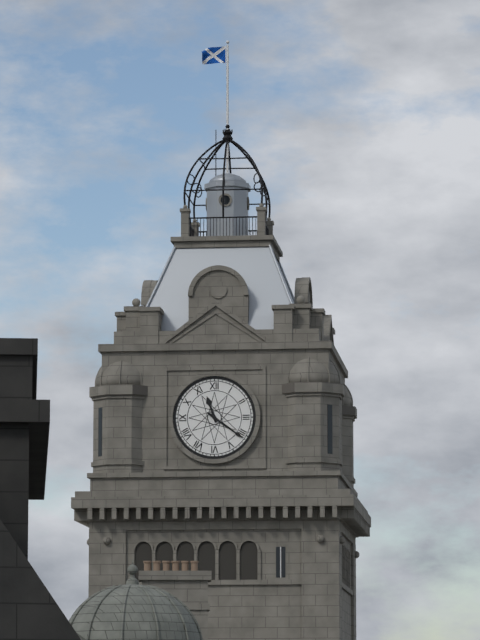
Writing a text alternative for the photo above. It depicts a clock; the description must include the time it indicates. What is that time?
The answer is 11:21
